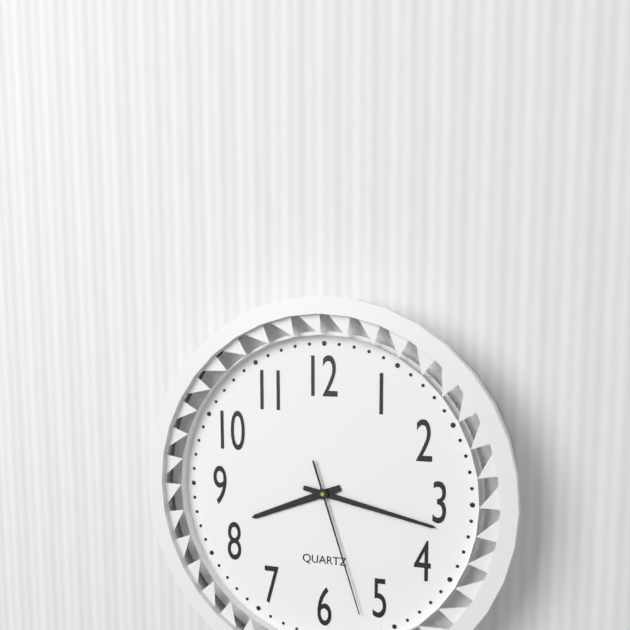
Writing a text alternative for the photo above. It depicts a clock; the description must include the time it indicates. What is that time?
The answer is 8:17:27
